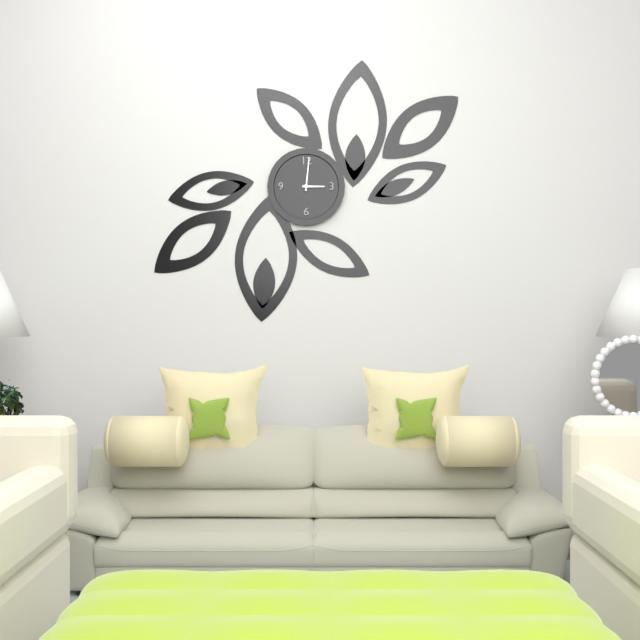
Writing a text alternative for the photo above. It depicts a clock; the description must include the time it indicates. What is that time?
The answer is 3:01
